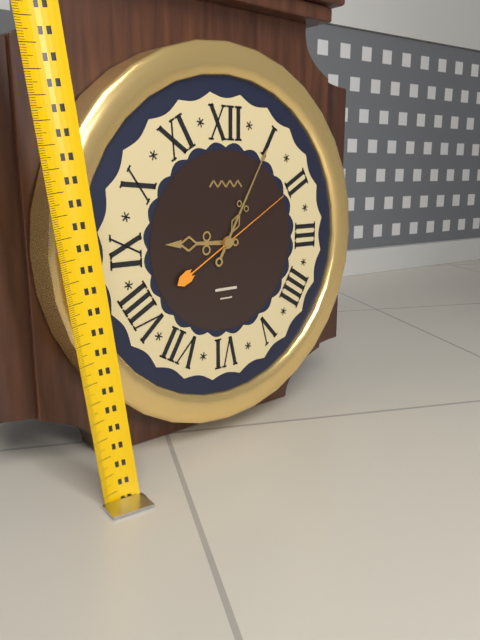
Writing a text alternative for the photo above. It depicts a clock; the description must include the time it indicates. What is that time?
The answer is 9:05:10
